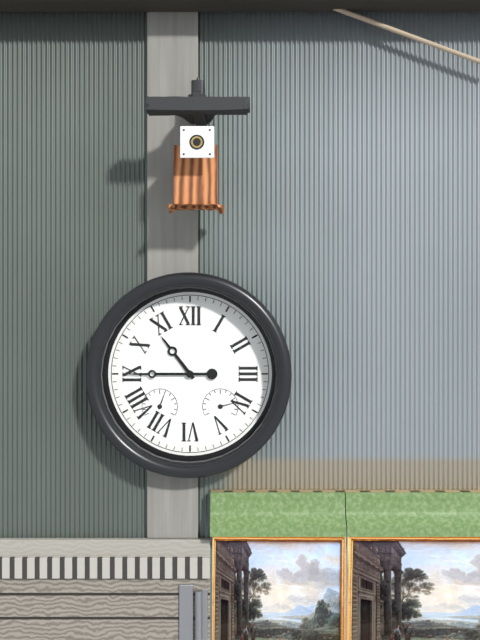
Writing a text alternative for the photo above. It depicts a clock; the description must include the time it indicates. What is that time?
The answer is 10:45
